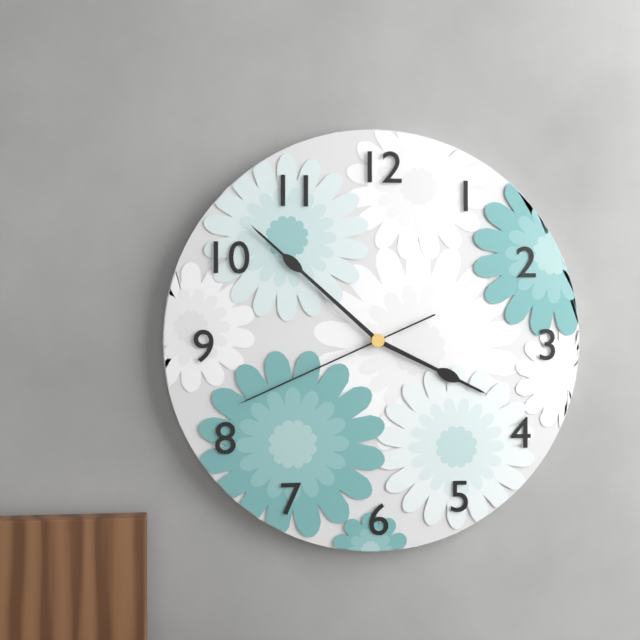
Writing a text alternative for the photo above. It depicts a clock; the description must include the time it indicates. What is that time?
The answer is 3:52:41
